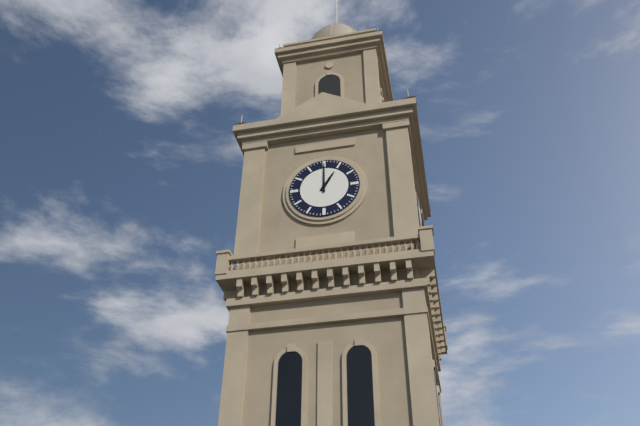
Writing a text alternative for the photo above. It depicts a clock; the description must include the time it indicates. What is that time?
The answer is 1:00
